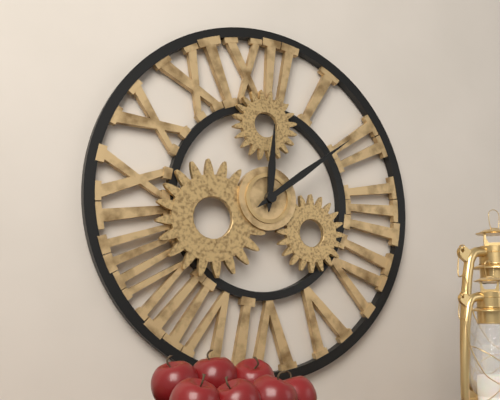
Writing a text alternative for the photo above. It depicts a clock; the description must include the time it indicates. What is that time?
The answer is 12:09
